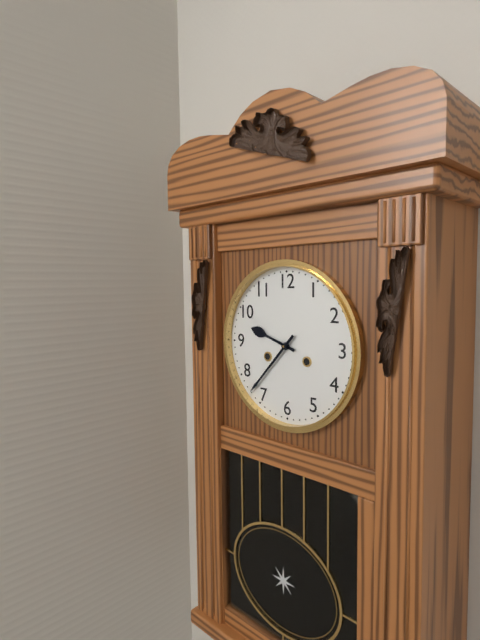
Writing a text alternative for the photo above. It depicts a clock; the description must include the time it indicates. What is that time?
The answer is 9:37
